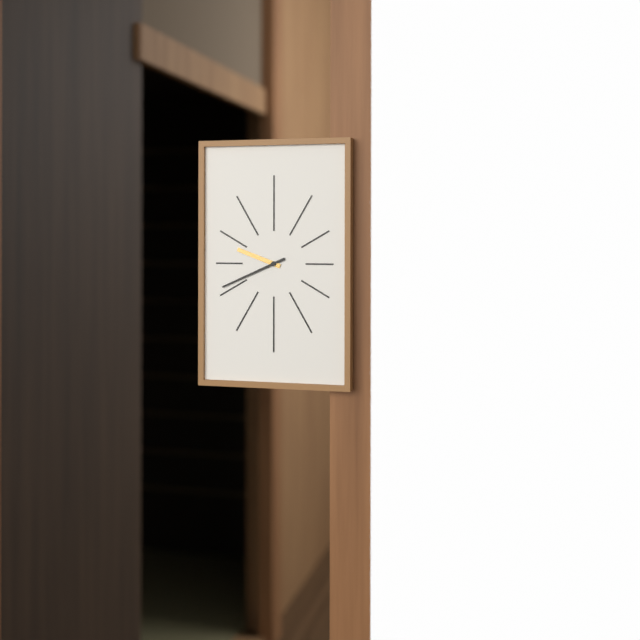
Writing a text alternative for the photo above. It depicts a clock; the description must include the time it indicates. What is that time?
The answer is 9:41
